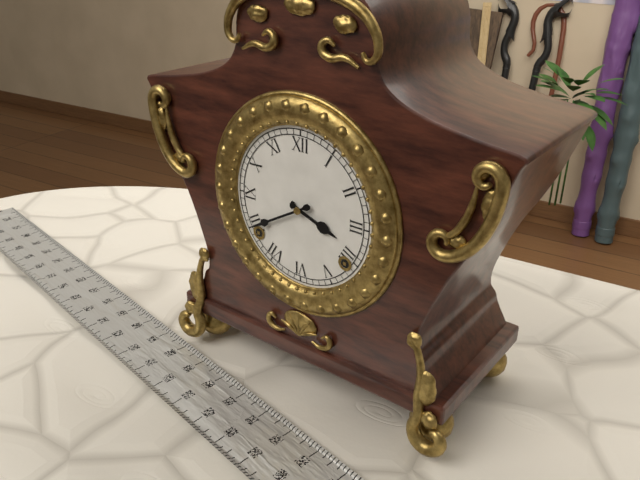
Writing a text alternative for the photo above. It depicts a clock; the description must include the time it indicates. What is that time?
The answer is 3:40
